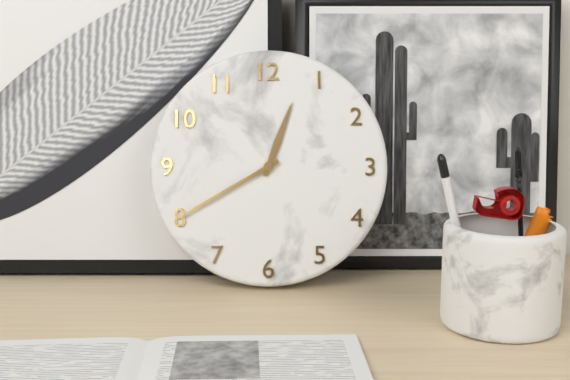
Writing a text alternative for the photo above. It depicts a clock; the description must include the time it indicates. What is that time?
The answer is 12:40
